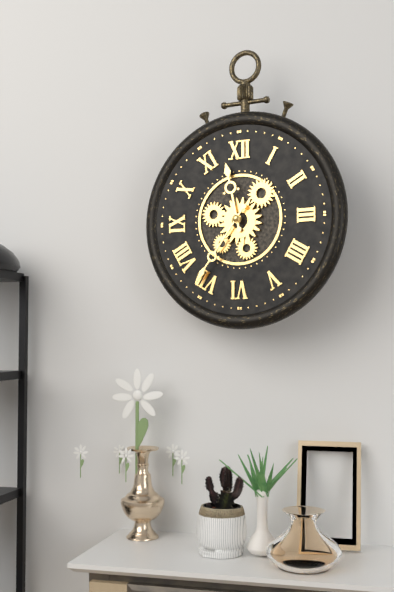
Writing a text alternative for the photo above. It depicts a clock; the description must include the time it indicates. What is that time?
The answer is 11:36
